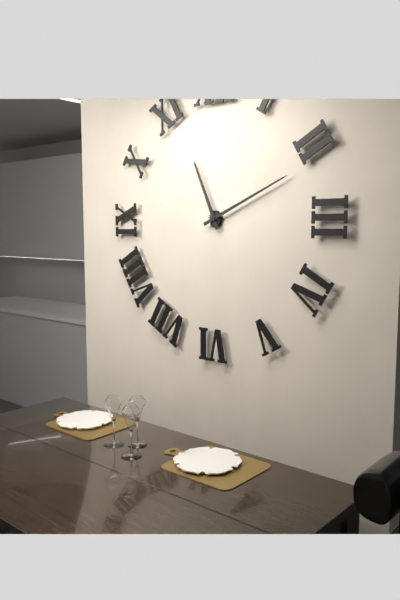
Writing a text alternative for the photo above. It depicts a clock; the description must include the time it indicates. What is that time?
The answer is 11:11
